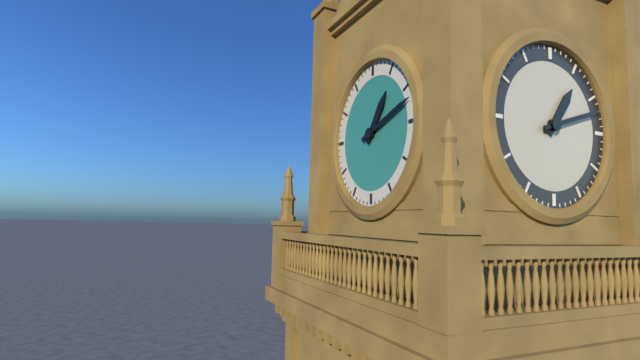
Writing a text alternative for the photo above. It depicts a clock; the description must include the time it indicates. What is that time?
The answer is 1:12
